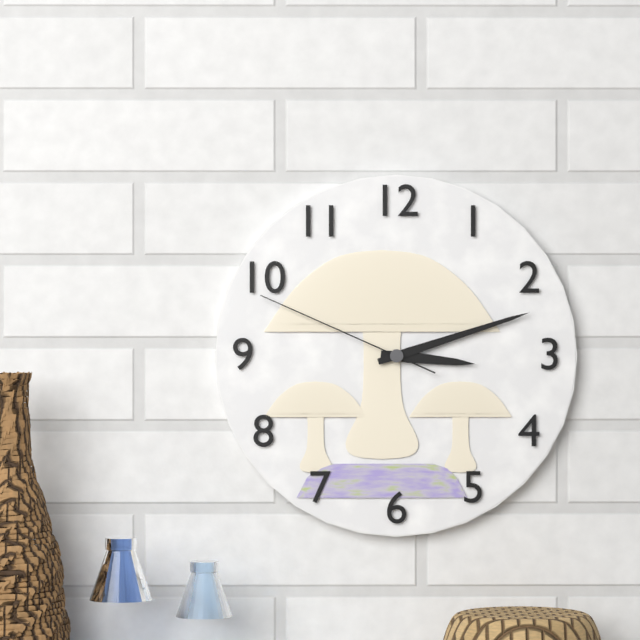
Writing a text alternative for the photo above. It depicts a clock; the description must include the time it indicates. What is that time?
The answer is 3:12:49
